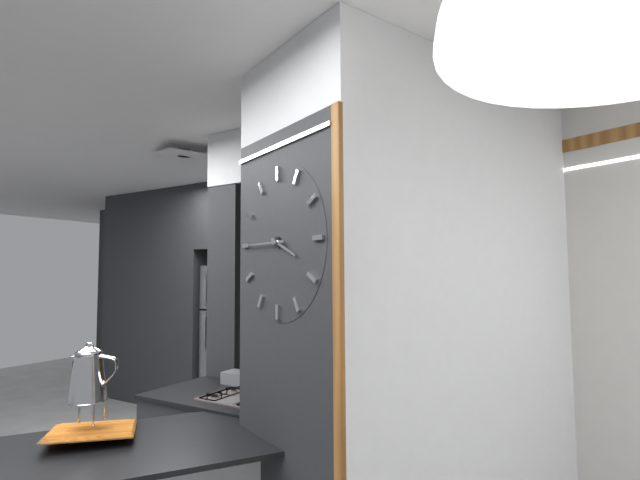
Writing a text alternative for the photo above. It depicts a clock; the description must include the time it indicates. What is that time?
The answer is 3:45
